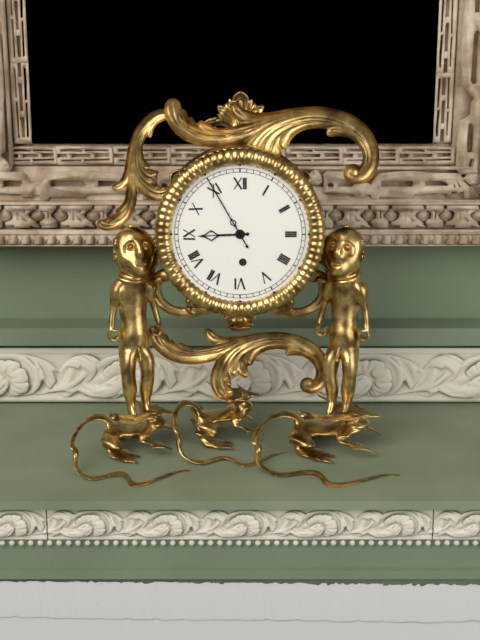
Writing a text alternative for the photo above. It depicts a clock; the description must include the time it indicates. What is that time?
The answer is 8:55
